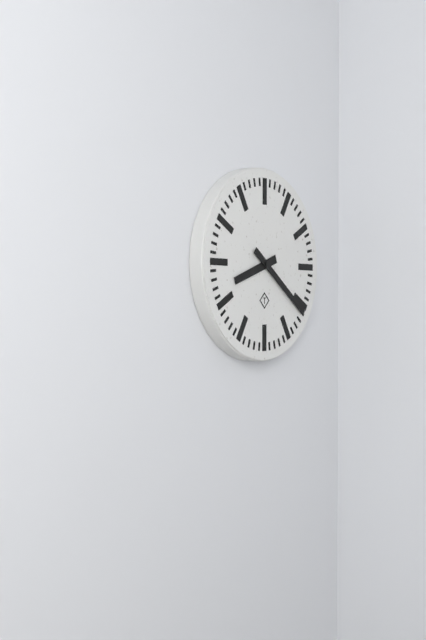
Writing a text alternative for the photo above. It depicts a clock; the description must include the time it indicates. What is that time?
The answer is 8:21
